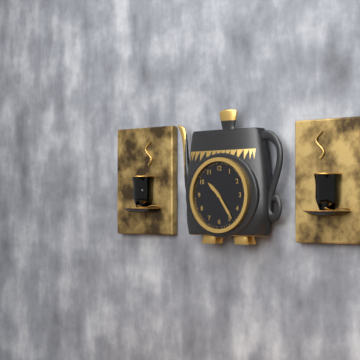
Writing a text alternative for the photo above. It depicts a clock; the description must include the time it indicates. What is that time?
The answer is 10:24
